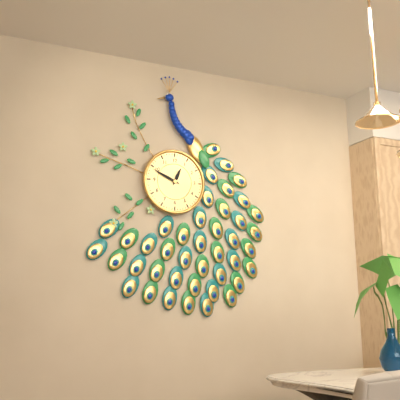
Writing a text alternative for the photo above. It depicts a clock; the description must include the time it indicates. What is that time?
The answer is 12:49
